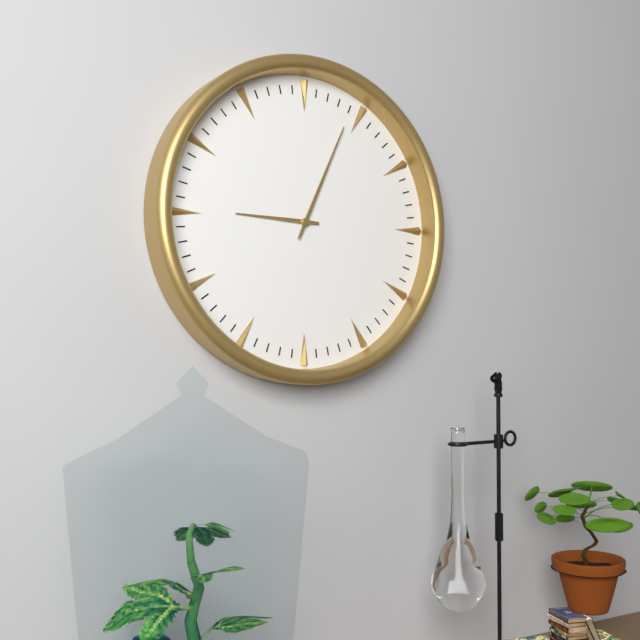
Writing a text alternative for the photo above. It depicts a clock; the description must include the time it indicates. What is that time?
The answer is 9:04
